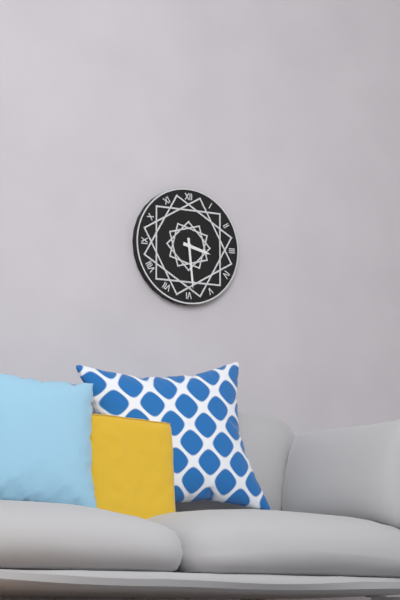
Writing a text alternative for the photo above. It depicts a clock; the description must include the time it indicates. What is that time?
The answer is 3:29
